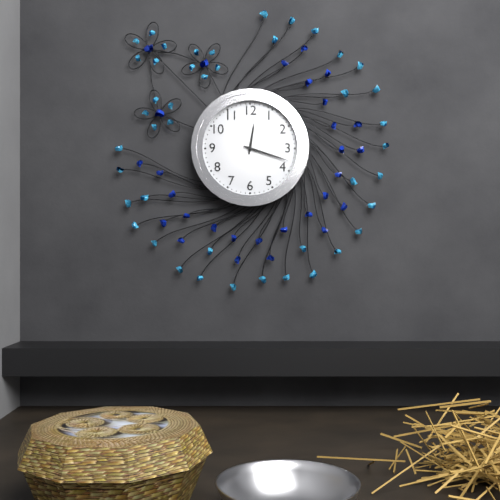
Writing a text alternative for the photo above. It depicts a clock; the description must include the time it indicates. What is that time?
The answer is 12:18
